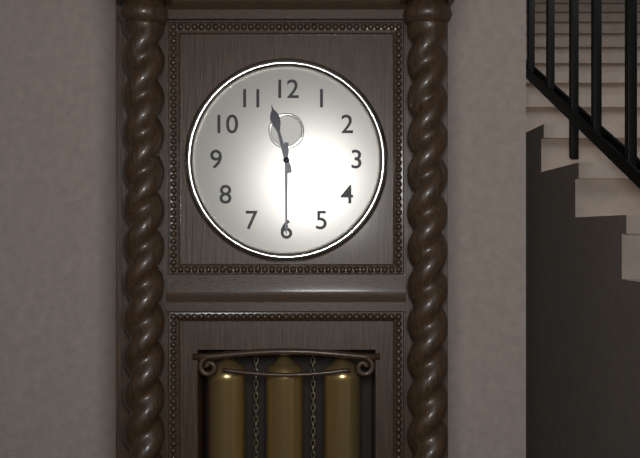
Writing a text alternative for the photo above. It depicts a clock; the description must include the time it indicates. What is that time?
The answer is 11:30
